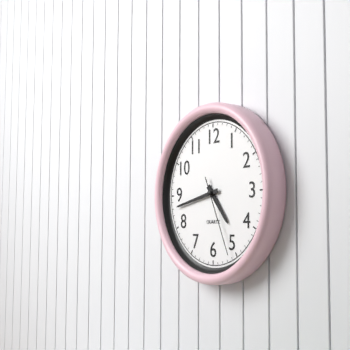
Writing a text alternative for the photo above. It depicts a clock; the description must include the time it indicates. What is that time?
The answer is 4:43:26
